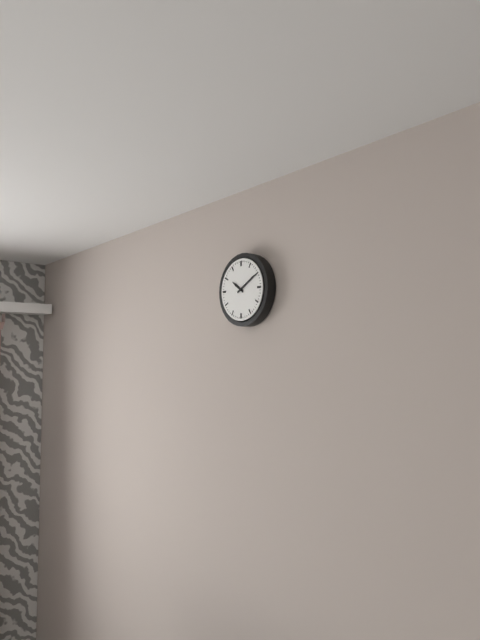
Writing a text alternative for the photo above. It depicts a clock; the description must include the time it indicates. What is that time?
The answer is 10:10
